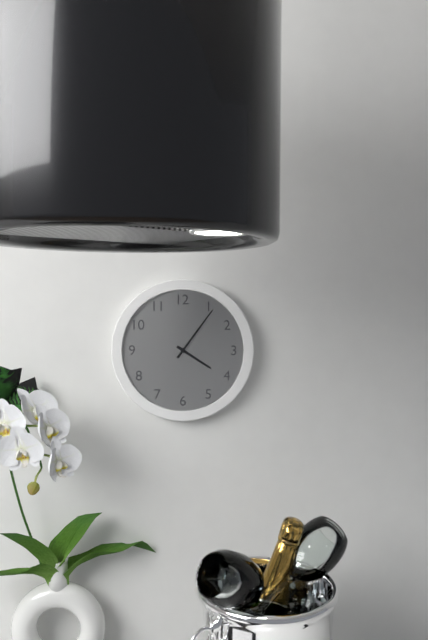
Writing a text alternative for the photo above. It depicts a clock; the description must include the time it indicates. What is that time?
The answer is 4:06
